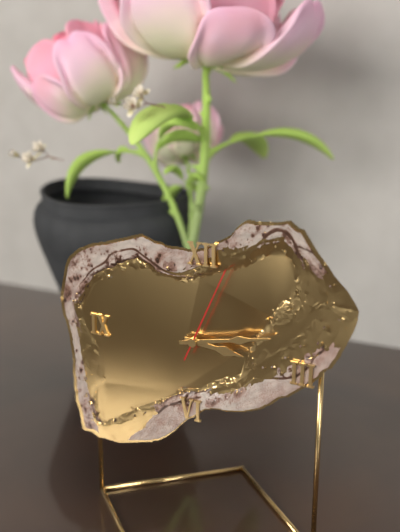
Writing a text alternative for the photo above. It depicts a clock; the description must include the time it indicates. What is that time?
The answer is 3:13:04
